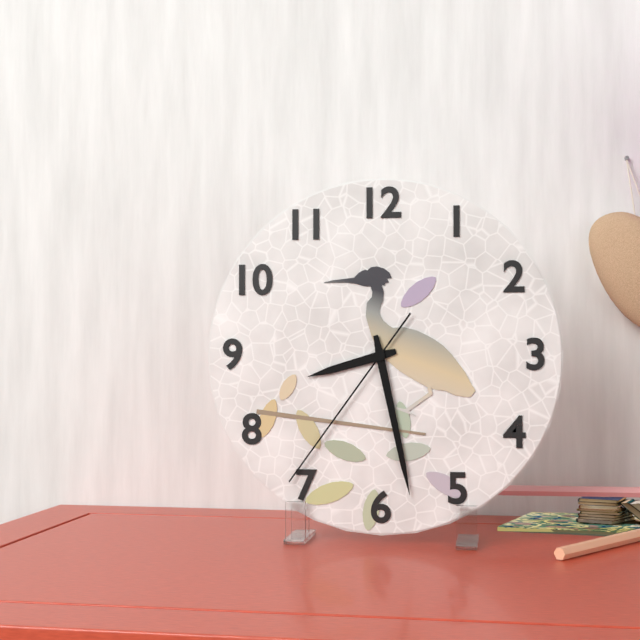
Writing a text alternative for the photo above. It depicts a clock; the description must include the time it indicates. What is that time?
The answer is 8:28:36
